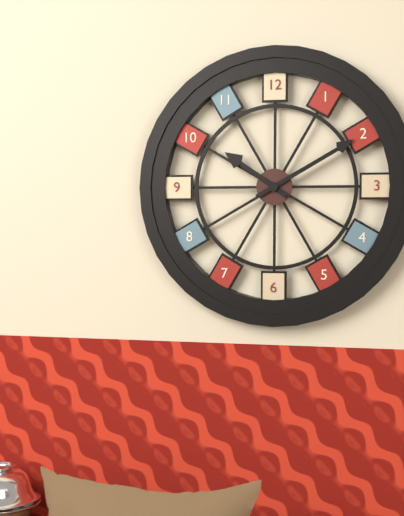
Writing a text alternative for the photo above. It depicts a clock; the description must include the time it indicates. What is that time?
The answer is 10:10
